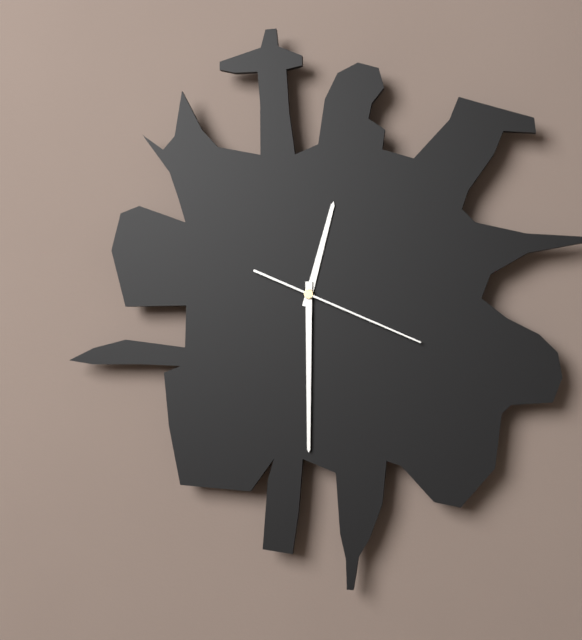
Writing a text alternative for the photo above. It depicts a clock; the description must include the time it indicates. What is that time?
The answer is 12:30:19
